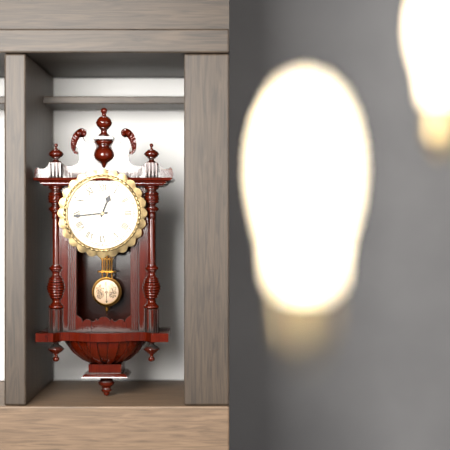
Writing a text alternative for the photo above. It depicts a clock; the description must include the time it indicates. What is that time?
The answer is 12:44
